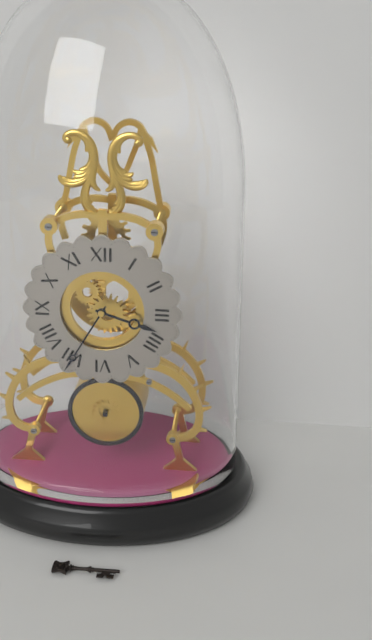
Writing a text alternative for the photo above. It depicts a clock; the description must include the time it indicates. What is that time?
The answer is 3:35
